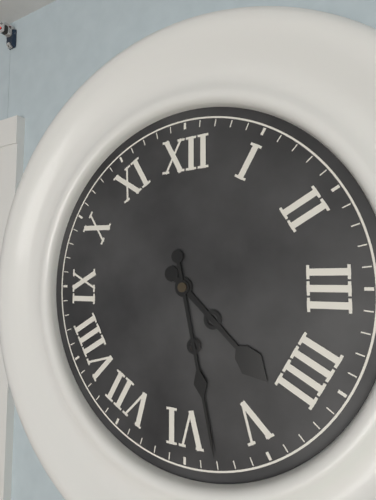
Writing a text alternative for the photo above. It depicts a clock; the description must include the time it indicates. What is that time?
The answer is 4:28
